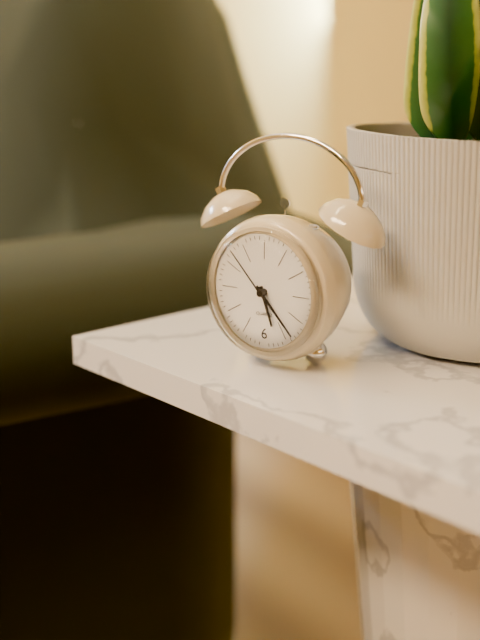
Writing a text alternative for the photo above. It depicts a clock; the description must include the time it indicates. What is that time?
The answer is 5:23:53
